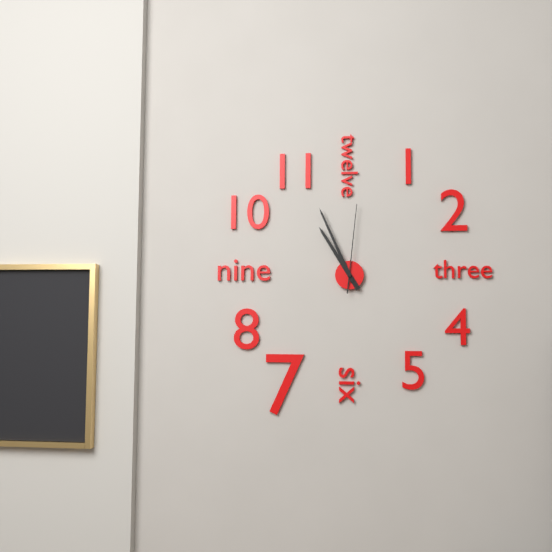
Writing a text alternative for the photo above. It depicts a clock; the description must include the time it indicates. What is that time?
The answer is 10:56:01
